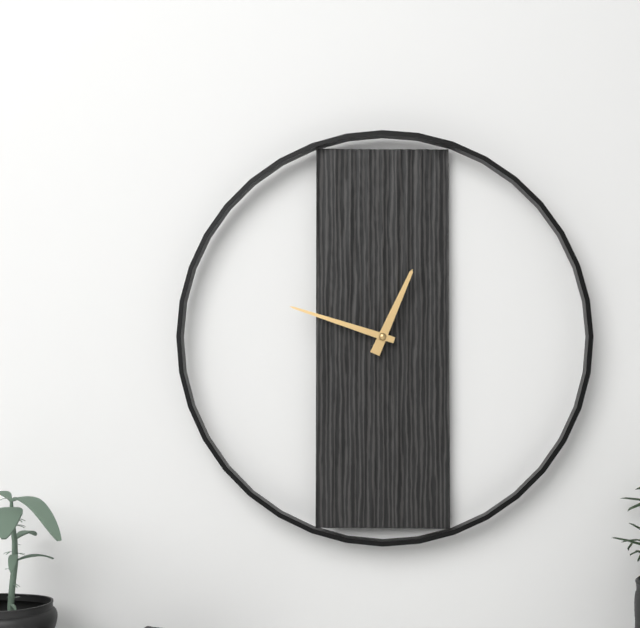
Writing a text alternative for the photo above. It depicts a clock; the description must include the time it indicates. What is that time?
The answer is 12:48
